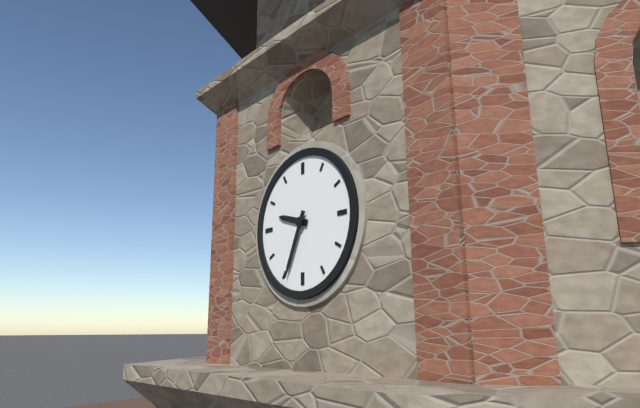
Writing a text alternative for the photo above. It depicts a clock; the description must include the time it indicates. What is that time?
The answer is 9:34
